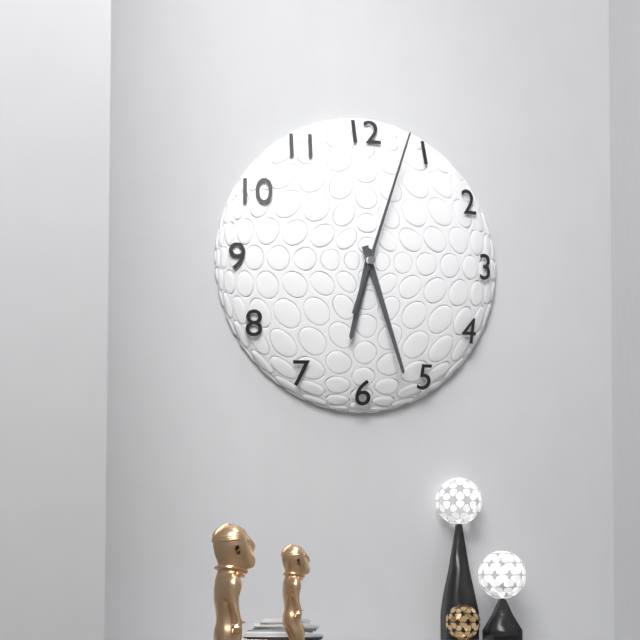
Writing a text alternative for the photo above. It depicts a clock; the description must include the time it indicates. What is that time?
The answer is 6:27:03
